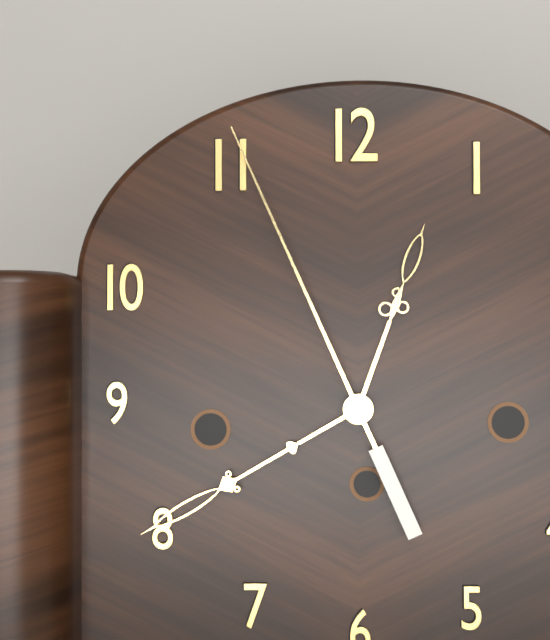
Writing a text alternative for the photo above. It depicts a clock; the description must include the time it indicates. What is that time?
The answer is 12:40:56
